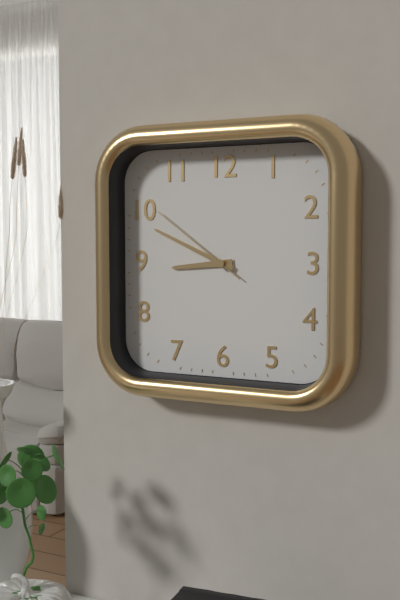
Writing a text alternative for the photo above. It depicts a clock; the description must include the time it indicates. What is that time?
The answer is 8:49:51
